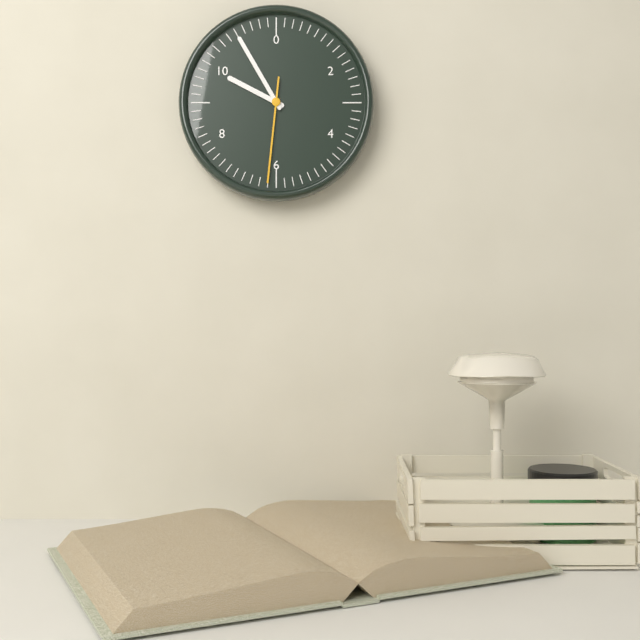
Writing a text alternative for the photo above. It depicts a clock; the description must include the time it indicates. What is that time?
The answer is 9:55:31
